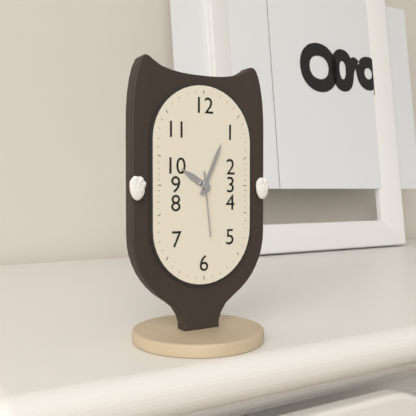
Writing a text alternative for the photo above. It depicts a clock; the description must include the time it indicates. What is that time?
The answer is 10:04:29
